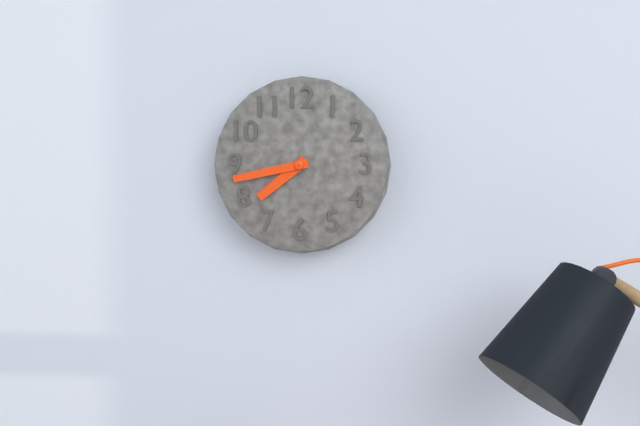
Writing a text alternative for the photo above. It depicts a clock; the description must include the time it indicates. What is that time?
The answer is 7:43
